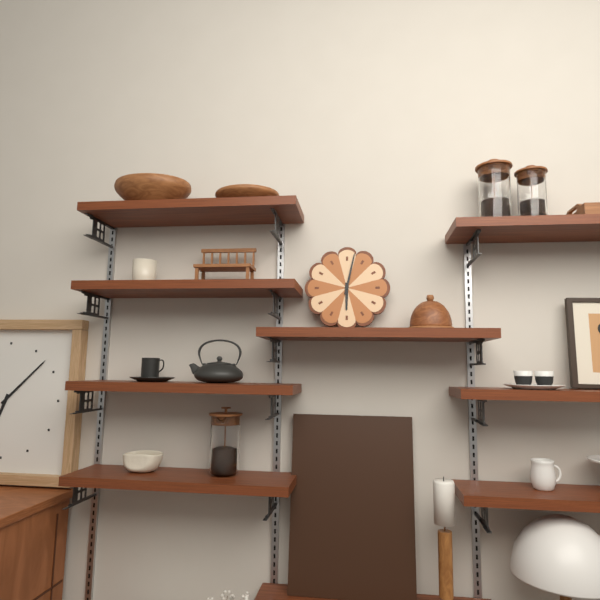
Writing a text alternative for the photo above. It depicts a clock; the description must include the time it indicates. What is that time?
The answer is 6:02
